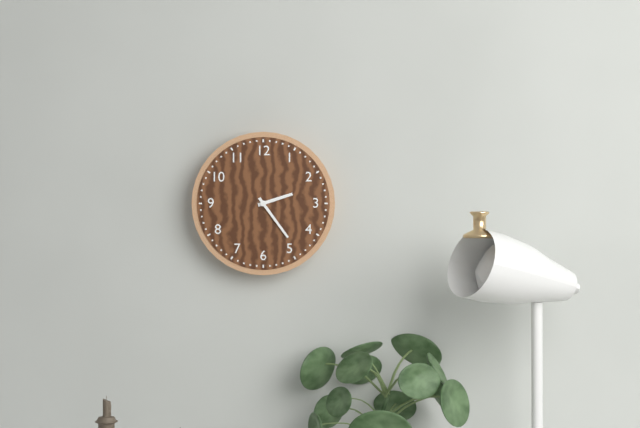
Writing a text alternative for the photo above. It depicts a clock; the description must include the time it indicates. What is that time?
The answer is 2:24
